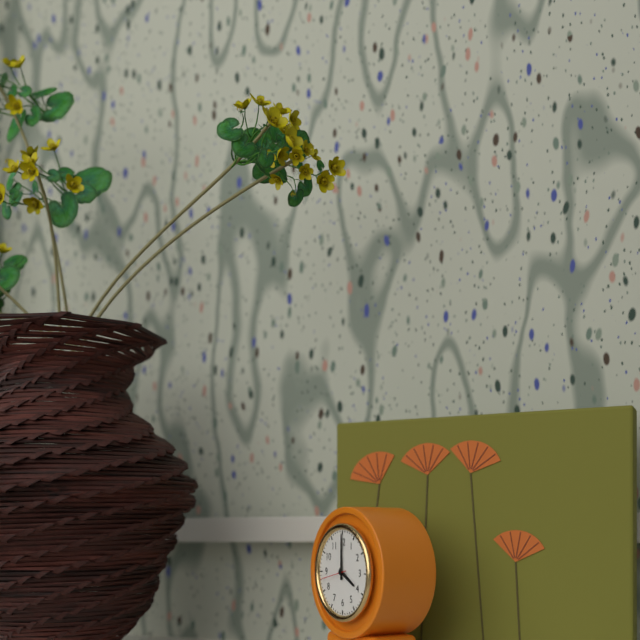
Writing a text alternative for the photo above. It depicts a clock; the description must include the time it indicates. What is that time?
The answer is 4:00
